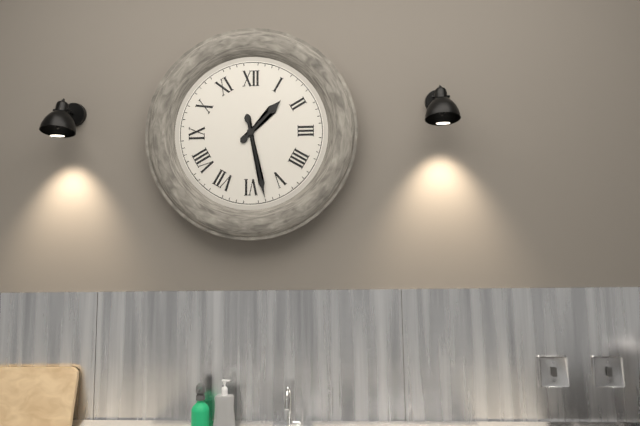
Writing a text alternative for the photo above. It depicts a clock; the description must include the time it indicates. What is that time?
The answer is 1:28
